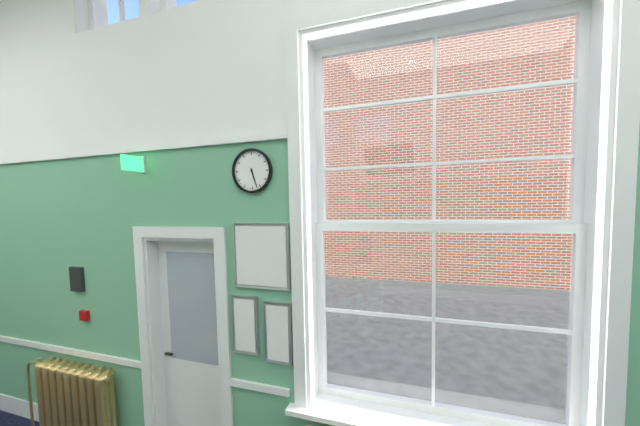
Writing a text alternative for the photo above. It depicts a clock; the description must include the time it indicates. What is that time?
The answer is 5:27
